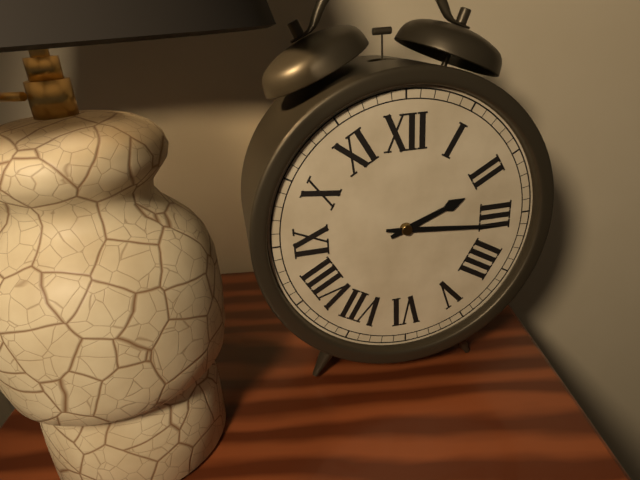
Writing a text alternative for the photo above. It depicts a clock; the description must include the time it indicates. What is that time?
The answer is 2:16
